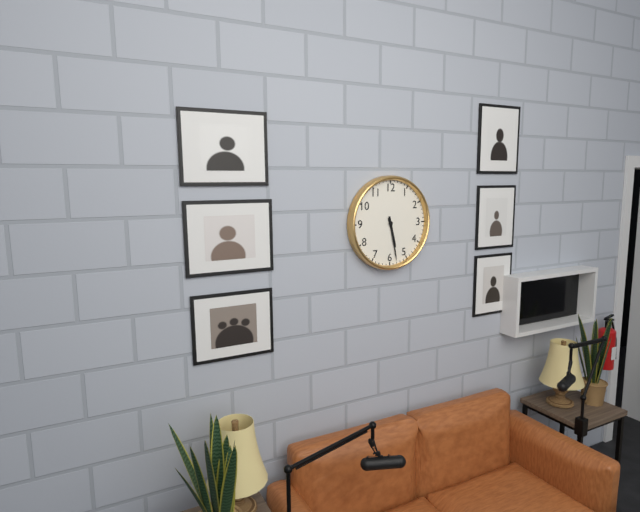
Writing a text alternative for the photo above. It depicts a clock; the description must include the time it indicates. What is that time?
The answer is 5:28
